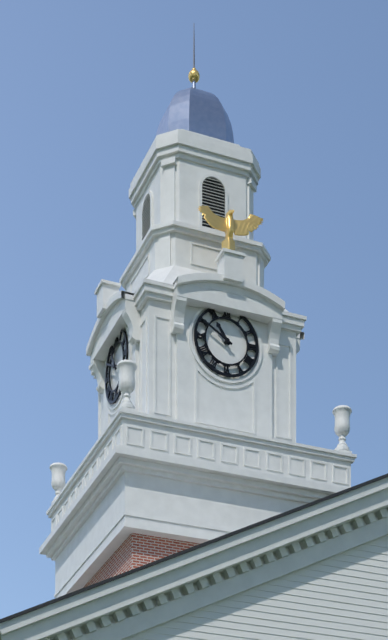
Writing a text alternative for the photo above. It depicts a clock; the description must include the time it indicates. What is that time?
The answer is 10:50
